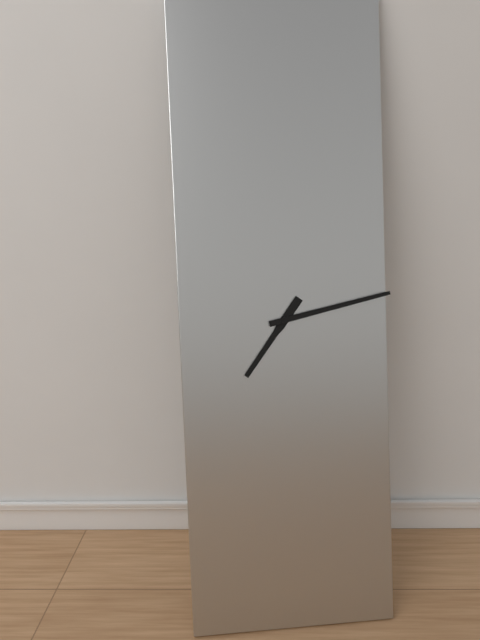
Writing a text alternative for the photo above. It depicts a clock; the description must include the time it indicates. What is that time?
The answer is 7:13
